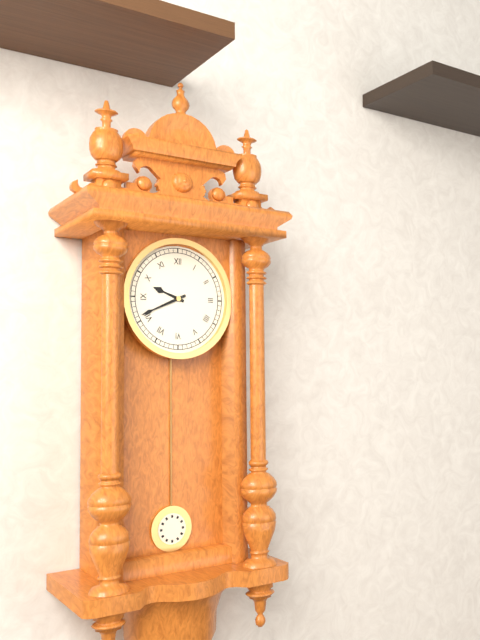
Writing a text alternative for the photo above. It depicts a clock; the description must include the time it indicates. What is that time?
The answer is 9:41
